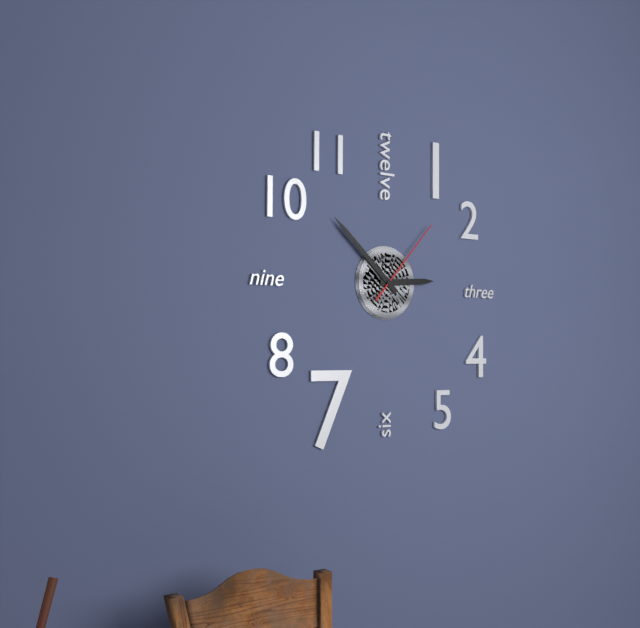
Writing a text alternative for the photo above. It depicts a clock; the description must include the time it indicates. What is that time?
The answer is 2:52:07
